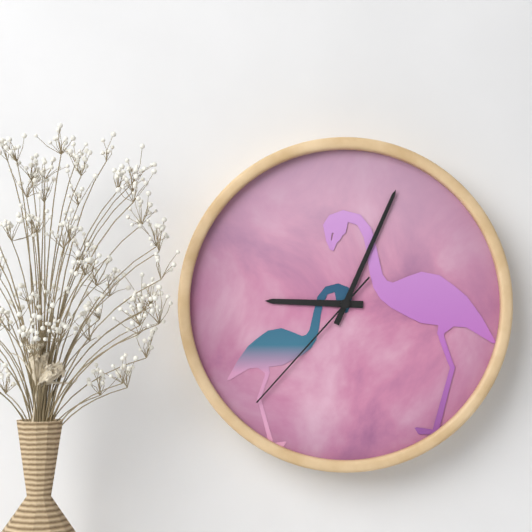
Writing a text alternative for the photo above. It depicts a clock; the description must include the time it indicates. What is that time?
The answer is 9:04:37
